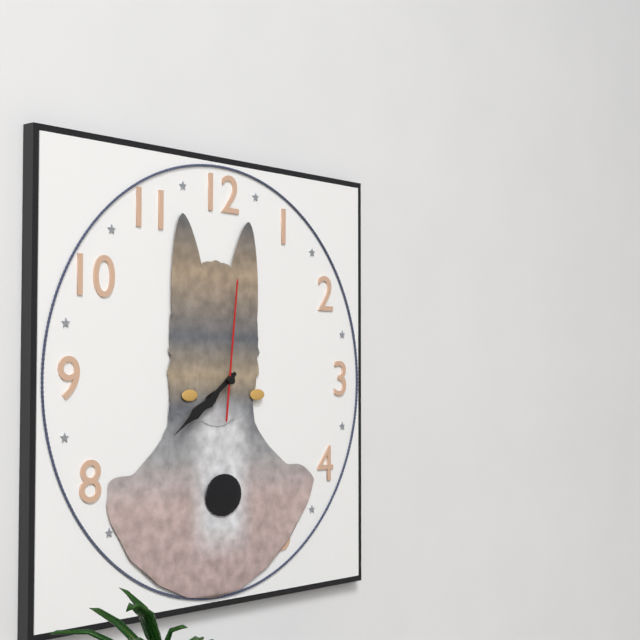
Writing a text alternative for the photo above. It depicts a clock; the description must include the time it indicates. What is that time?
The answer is 7:39:01
